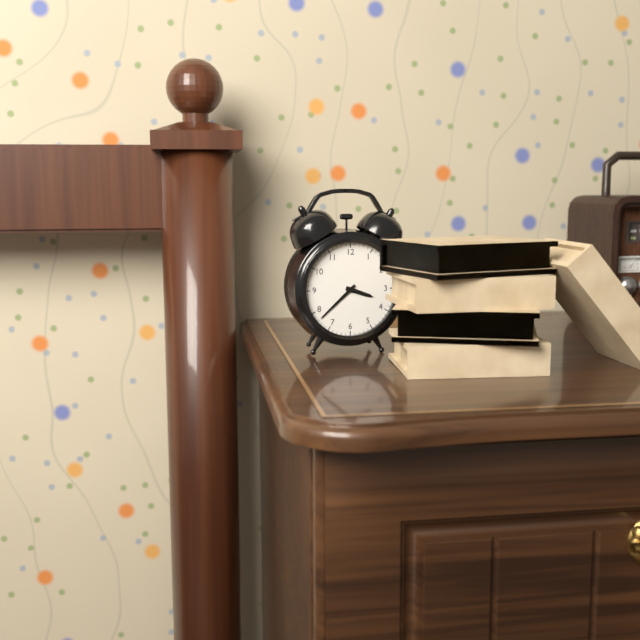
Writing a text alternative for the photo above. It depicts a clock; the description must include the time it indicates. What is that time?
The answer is 3:38
